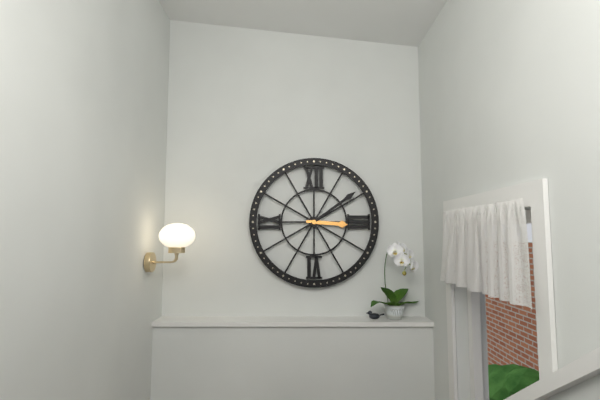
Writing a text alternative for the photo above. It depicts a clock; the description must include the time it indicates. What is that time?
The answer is 3:09
